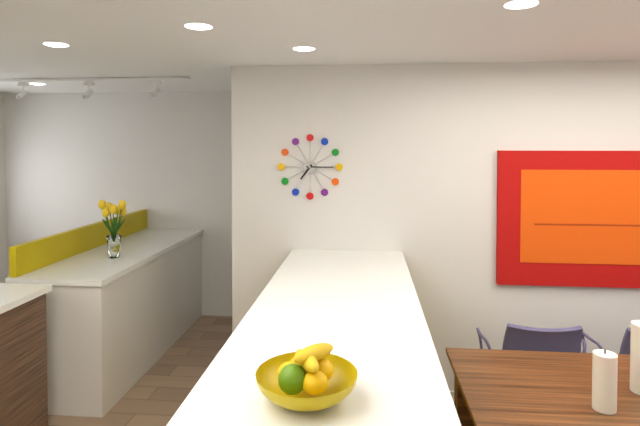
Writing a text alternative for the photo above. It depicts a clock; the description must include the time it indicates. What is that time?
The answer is 7:15
